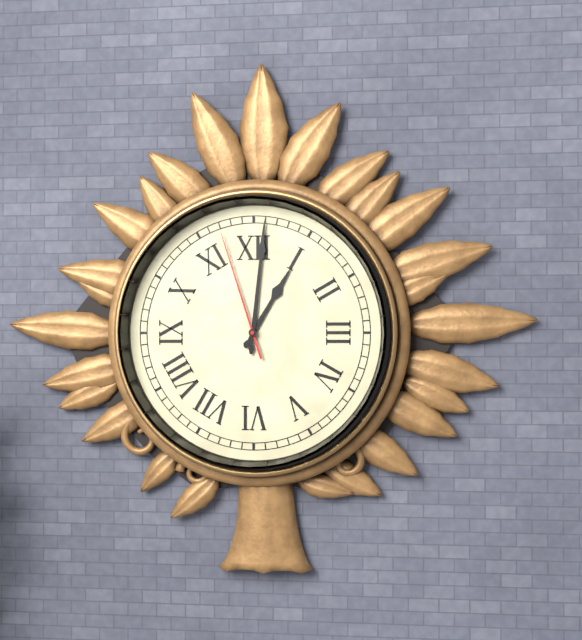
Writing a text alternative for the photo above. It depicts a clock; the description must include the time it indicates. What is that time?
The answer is 1:01:57
